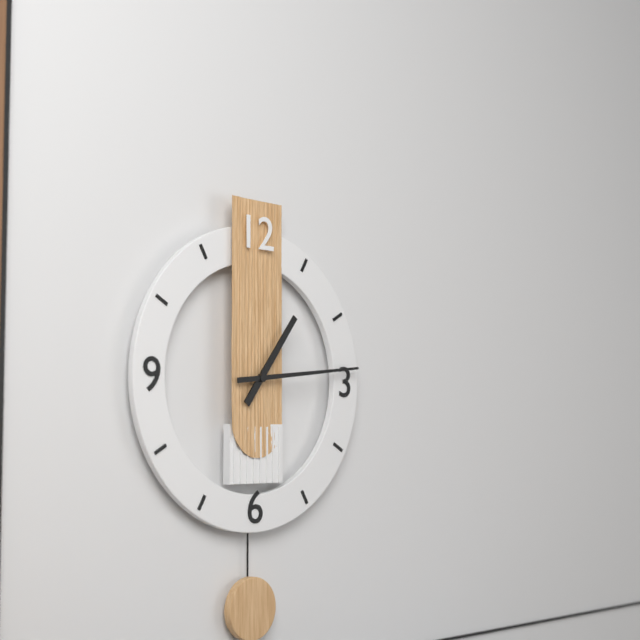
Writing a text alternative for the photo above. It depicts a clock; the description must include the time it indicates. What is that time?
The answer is 1:14
